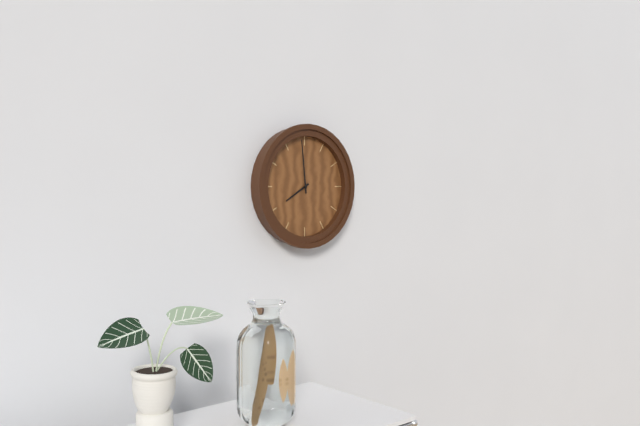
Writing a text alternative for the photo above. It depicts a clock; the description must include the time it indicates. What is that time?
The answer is 7:59
